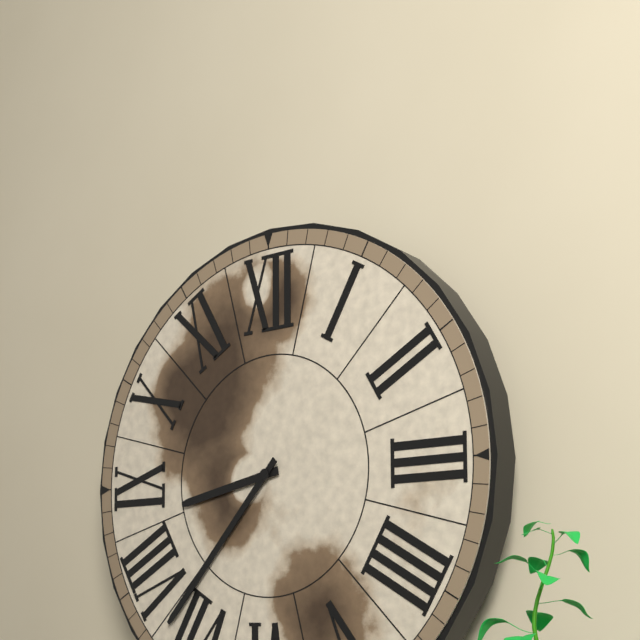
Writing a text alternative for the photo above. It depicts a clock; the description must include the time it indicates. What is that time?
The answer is 8:37
